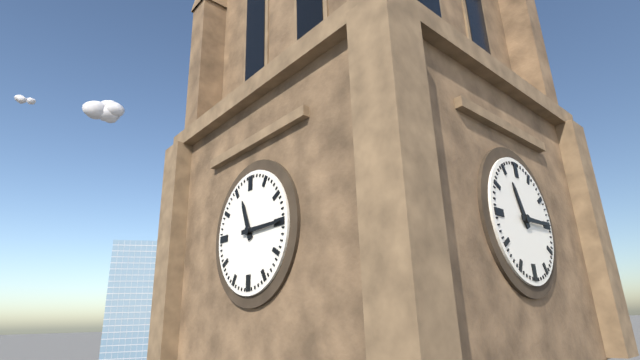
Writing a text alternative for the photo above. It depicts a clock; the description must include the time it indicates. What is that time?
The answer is 11:15
